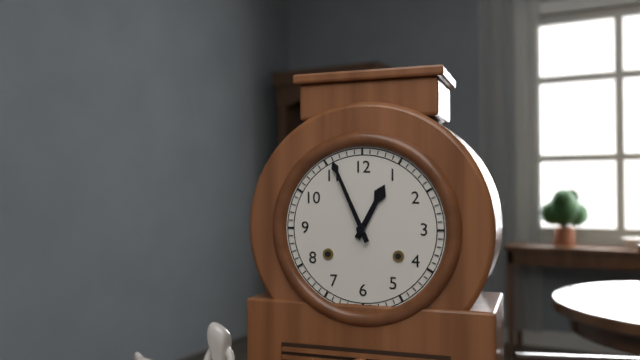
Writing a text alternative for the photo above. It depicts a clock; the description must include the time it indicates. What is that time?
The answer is 12:56
